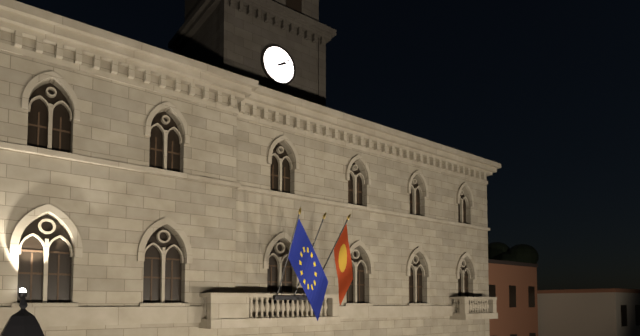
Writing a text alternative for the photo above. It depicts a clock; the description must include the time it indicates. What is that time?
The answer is 2:09
